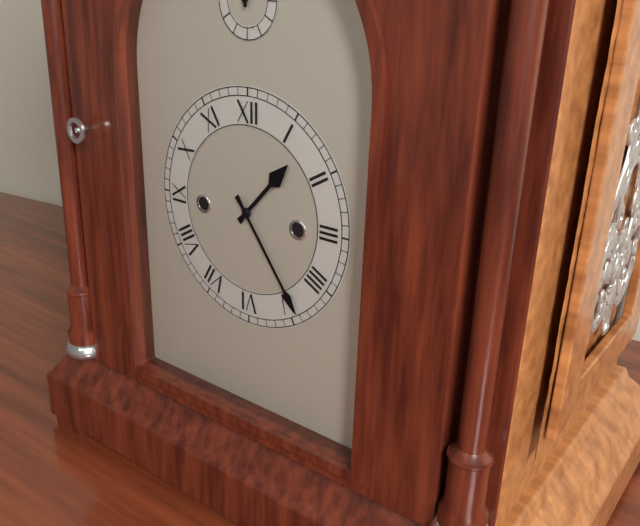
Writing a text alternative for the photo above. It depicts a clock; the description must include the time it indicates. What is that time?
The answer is 1:24
